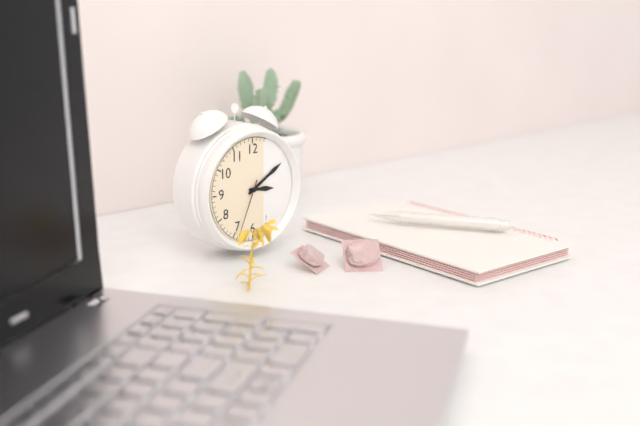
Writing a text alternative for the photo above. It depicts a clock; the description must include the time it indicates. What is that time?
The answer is 3:10:34
